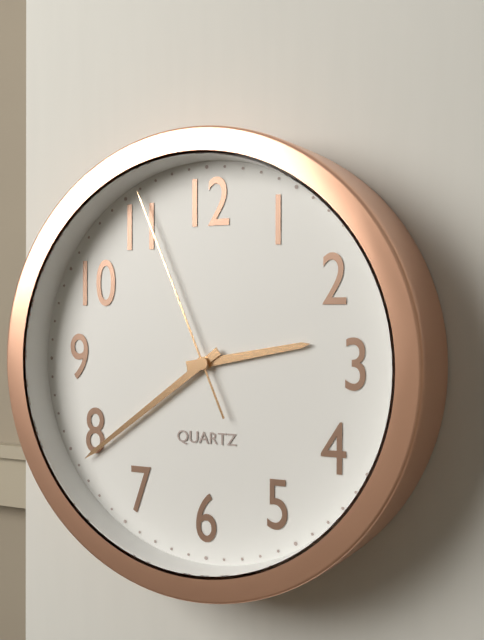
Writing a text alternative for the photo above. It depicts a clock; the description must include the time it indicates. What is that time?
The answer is 2:39:56
